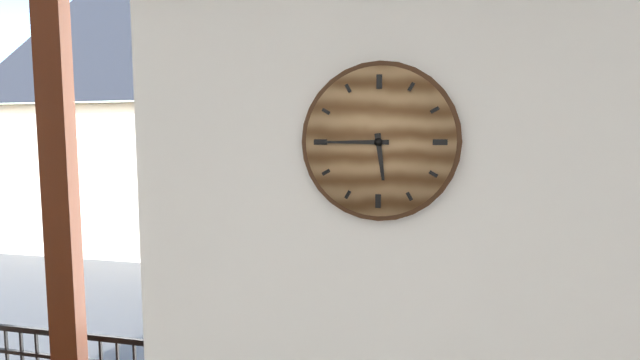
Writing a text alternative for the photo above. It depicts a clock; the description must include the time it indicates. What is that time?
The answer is 5:45
